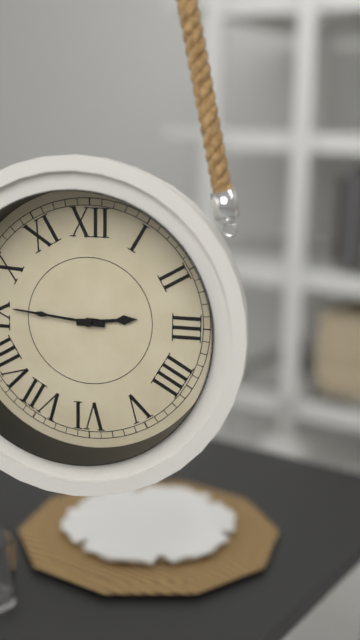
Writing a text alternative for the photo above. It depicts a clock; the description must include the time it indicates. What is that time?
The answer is 2:46
